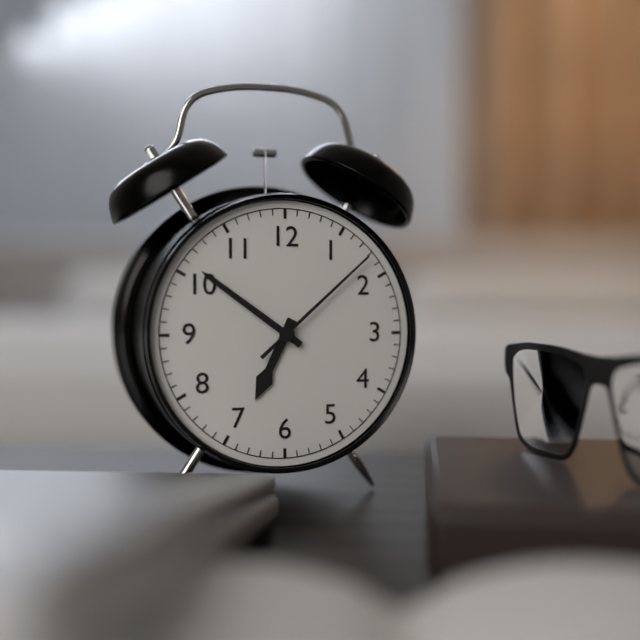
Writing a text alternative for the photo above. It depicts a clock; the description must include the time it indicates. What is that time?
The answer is 6:51:08
